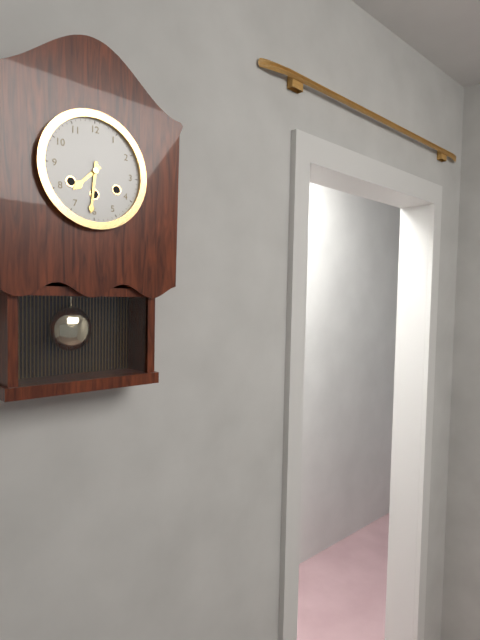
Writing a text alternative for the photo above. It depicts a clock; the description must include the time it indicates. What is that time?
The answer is 7:31
